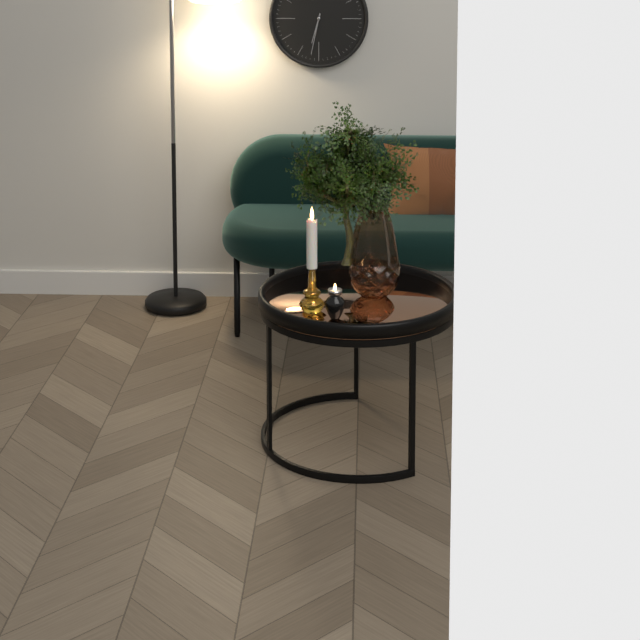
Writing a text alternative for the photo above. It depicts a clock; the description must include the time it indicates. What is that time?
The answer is 6:32
